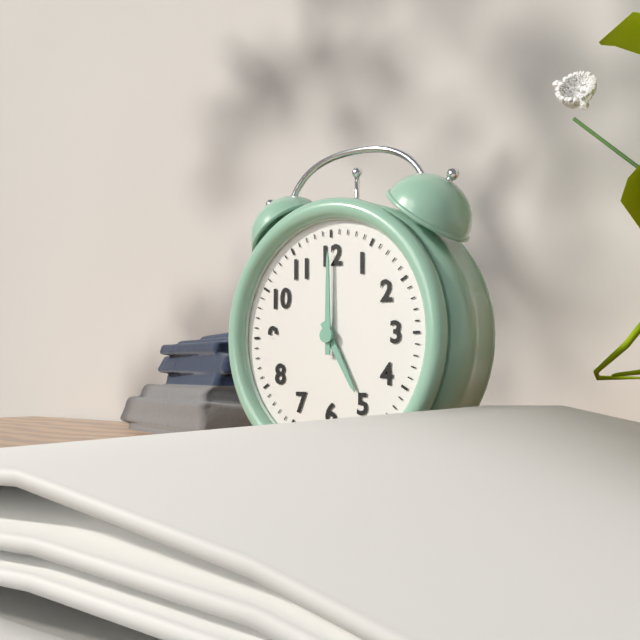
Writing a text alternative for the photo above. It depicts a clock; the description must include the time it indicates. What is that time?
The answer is 5:00
